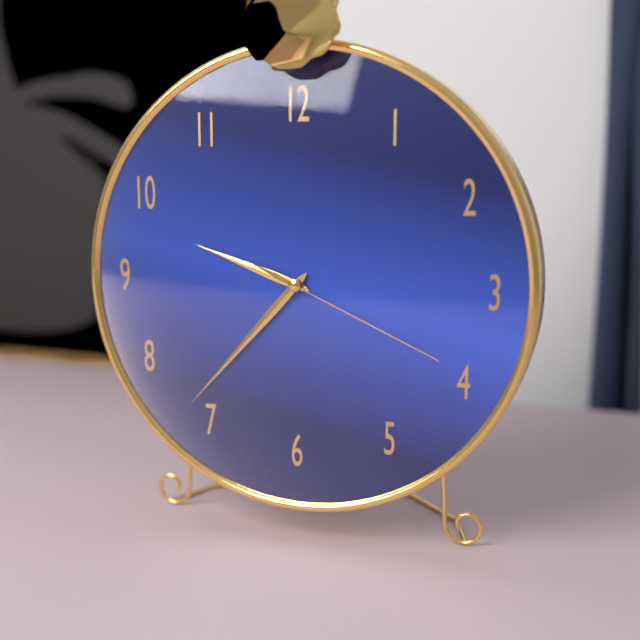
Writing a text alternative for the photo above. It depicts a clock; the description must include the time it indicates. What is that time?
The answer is 9:37:19
